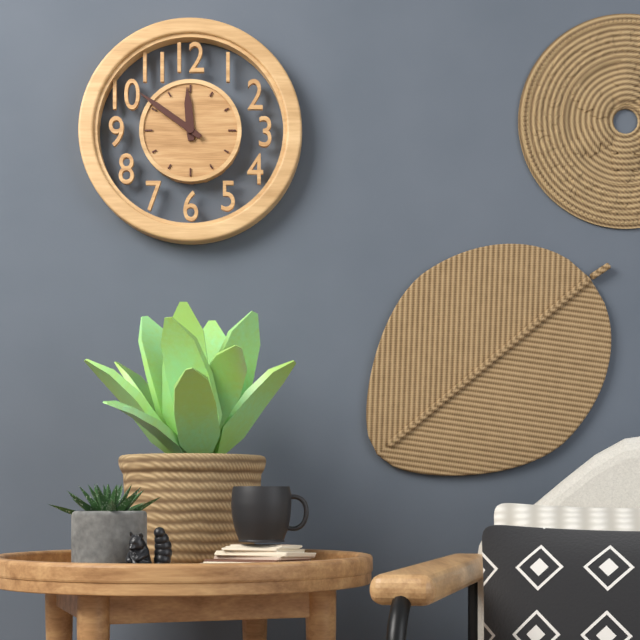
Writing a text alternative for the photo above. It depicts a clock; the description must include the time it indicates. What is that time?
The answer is 11:51
